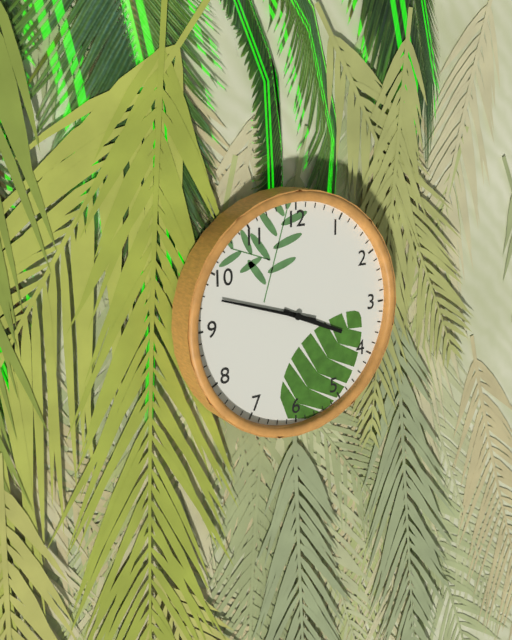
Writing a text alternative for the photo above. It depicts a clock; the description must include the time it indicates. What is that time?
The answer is 3:48:48
